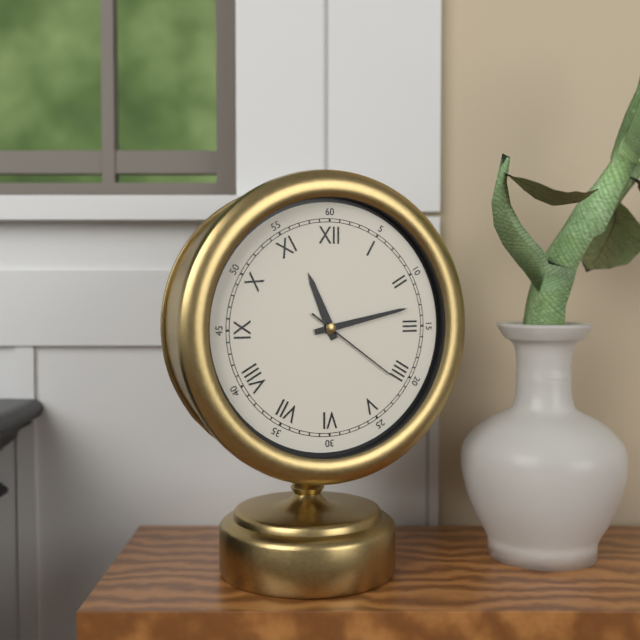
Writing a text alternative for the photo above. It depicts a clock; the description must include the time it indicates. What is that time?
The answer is 11:13:21
